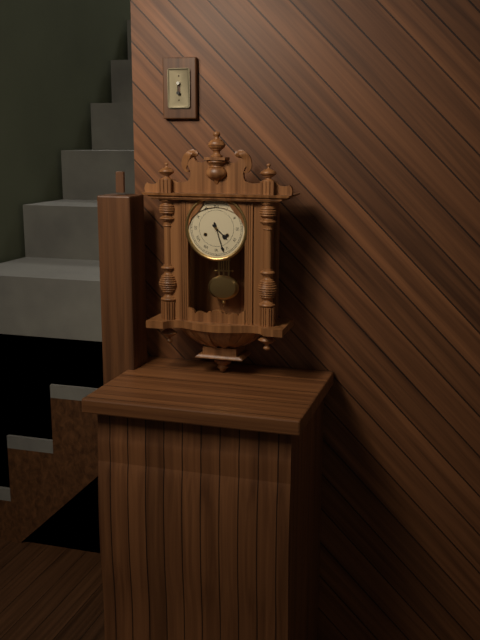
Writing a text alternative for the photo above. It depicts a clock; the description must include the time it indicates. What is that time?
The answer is 4:27
